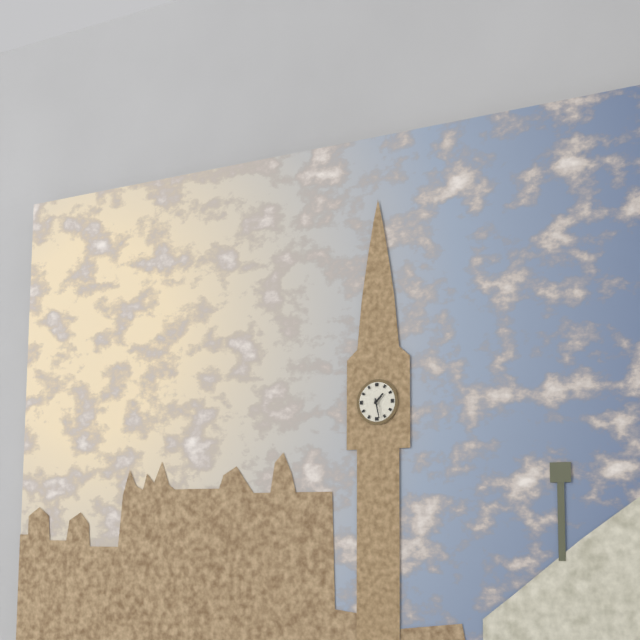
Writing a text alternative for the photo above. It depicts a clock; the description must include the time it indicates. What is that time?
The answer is 1:28
